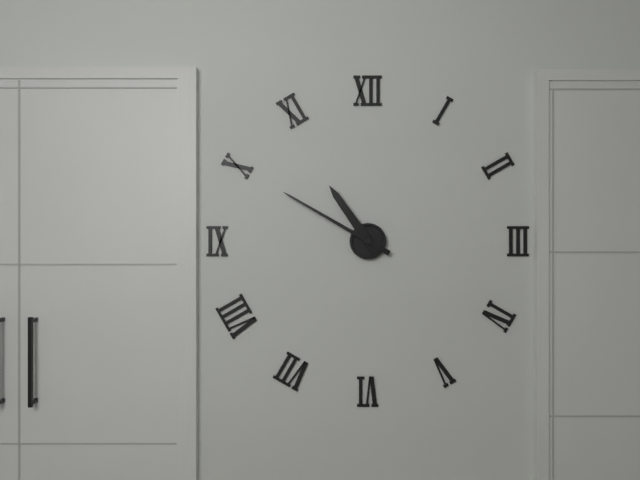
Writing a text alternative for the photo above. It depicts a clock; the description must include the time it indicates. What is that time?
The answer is 10:50
